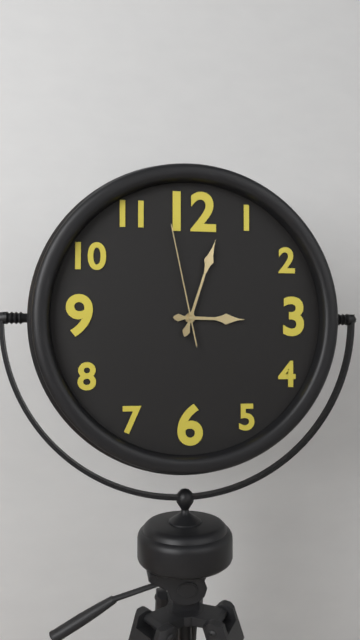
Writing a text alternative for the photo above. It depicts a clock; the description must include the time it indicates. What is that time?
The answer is 3:03:58
